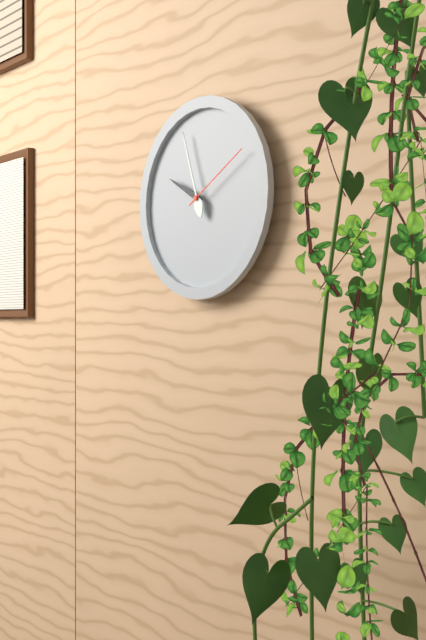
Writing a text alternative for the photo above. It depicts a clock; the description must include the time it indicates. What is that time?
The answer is 9:57:10
